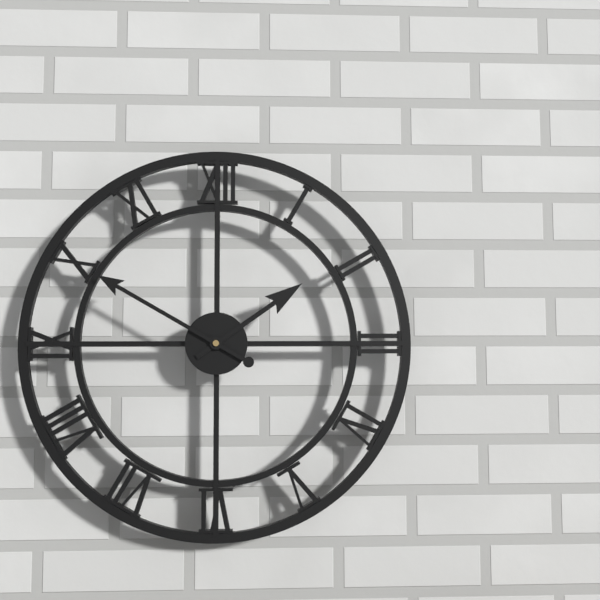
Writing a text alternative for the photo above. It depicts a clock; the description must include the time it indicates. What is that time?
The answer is 1:50
